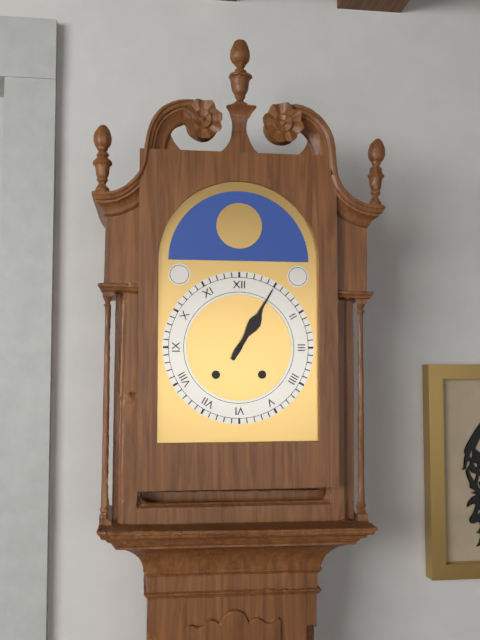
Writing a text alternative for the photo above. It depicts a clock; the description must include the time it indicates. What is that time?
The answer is 1:05
